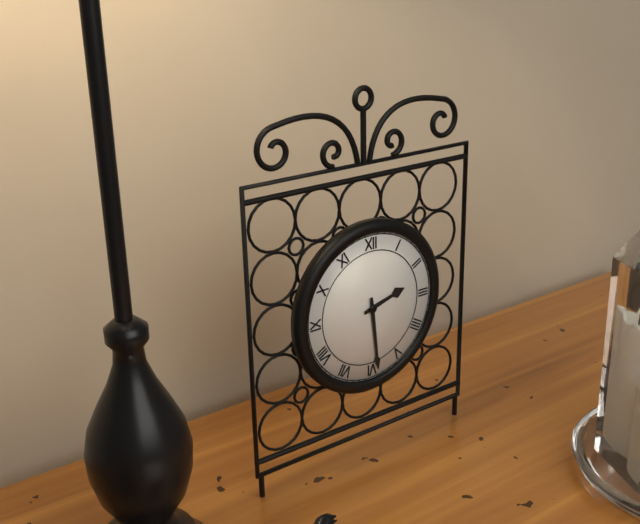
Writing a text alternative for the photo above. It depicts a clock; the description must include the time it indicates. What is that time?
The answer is 2:29
